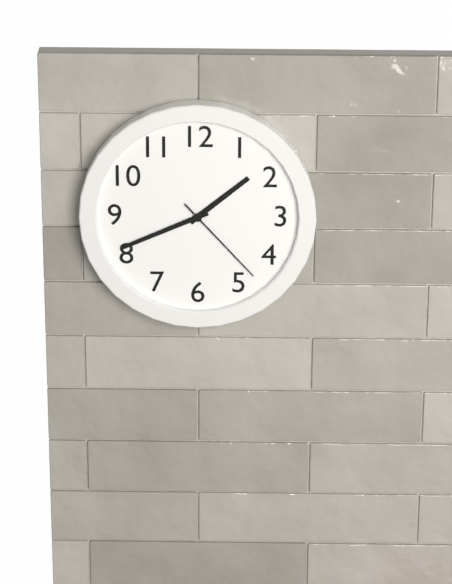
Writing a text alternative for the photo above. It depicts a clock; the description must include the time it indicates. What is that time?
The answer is 1:41:23
